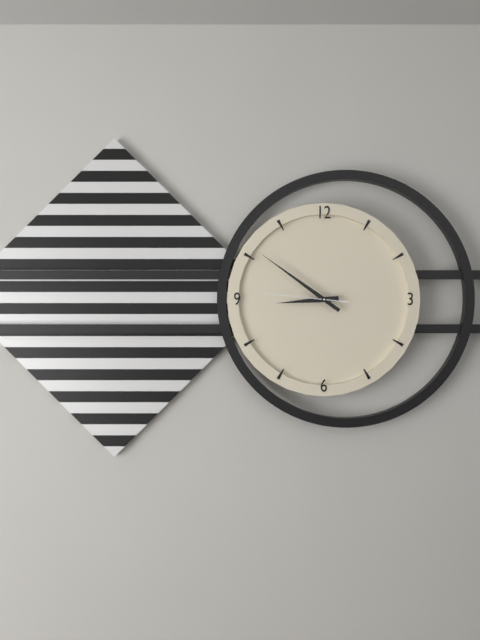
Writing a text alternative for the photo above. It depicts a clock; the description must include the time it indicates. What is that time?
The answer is 8:51:46
